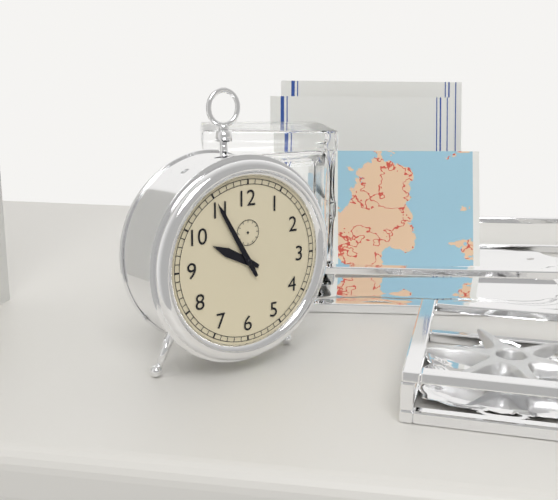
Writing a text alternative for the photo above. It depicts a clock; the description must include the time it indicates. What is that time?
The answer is 9:55
